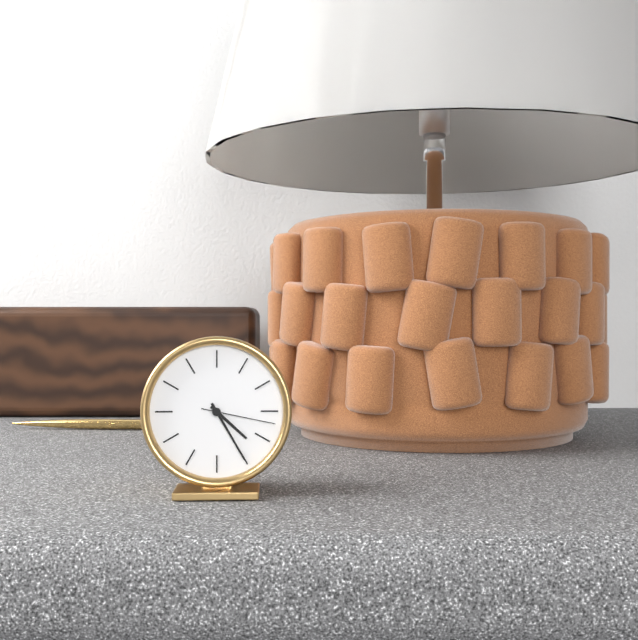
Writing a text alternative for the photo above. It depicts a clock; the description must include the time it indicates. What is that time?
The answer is 4:25:17
